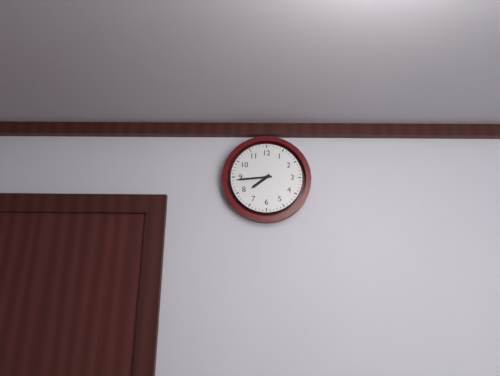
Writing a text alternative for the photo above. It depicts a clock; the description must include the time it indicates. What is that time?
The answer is 7:44
